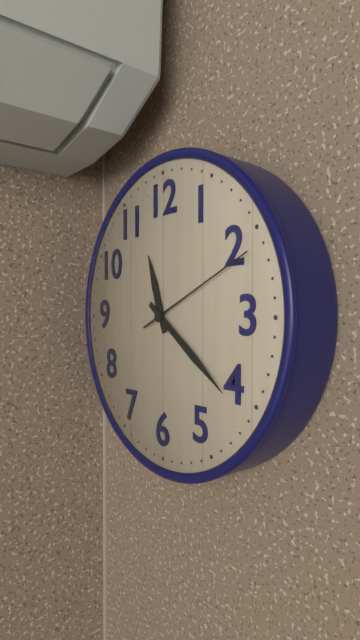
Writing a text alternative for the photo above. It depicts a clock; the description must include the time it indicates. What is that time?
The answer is 11:21:11
